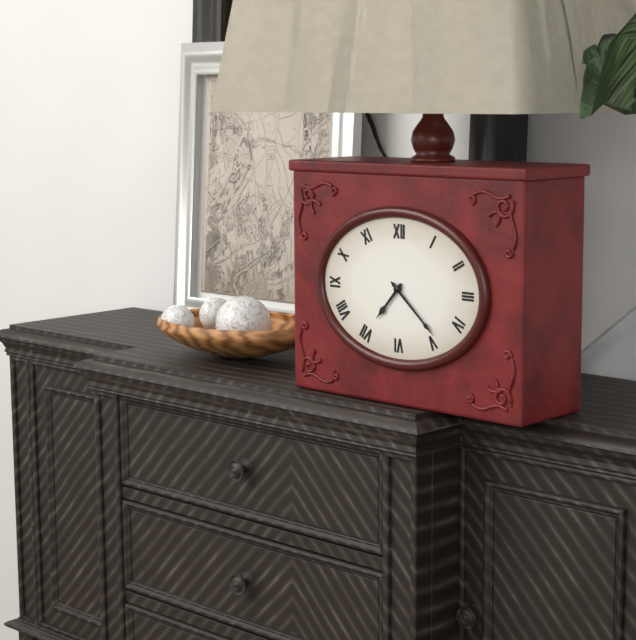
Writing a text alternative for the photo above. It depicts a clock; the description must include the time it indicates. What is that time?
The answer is 7:22
